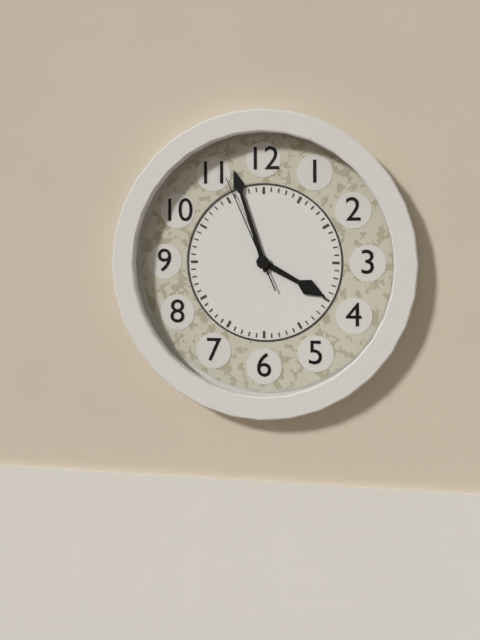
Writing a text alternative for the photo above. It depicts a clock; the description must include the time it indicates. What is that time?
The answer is 3:57:56
